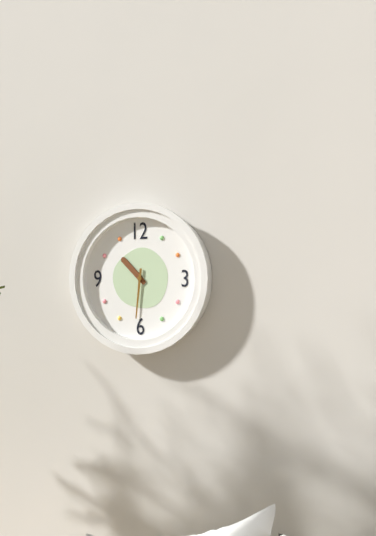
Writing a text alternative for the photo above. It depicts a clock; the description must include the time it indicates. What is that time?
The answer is 10:31
